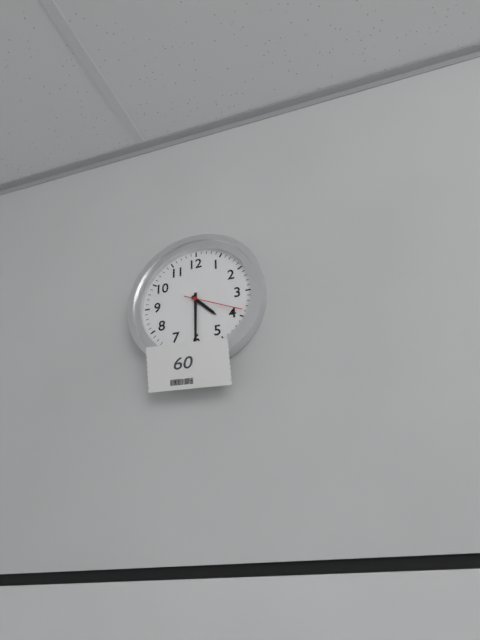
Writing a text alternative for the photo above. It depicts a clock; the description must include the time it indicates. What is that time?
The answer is 4:30:19
